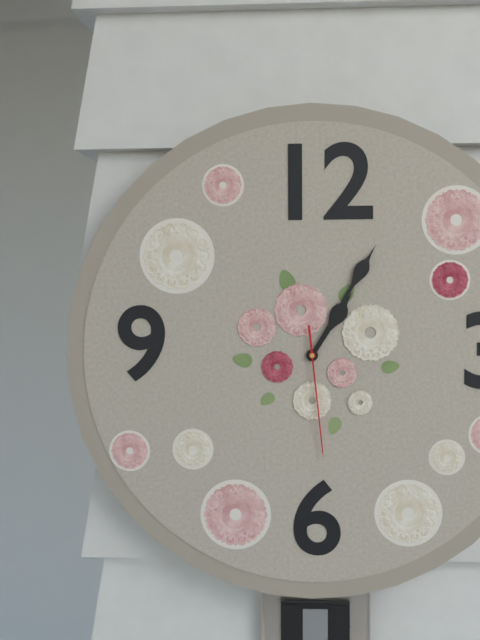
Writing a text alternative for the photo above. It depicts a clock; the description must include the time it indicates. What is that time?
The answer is 1:05:29
